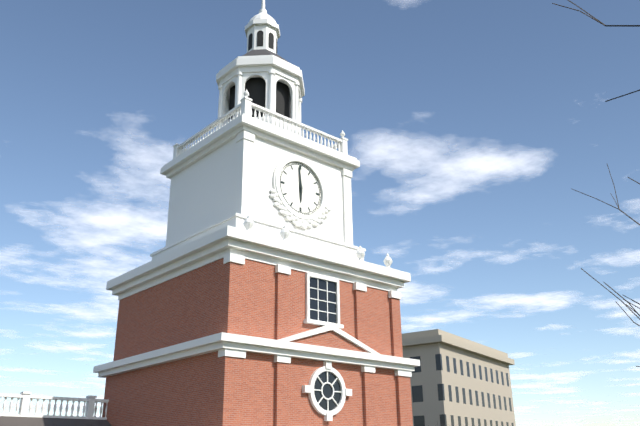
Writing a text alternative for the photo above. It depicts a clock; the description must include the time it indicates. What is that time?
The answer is 5:59
